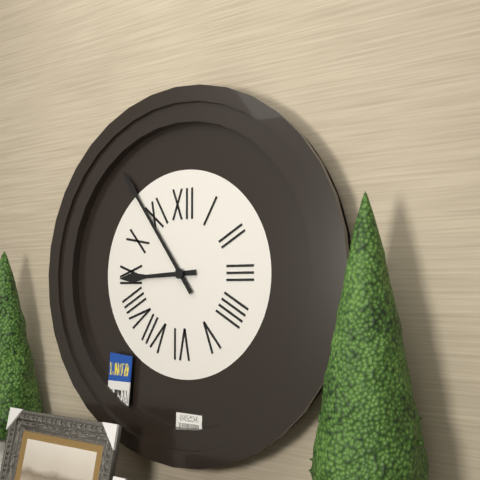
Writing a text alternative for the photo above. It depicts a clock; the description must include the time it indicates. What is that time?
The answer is 8:54
